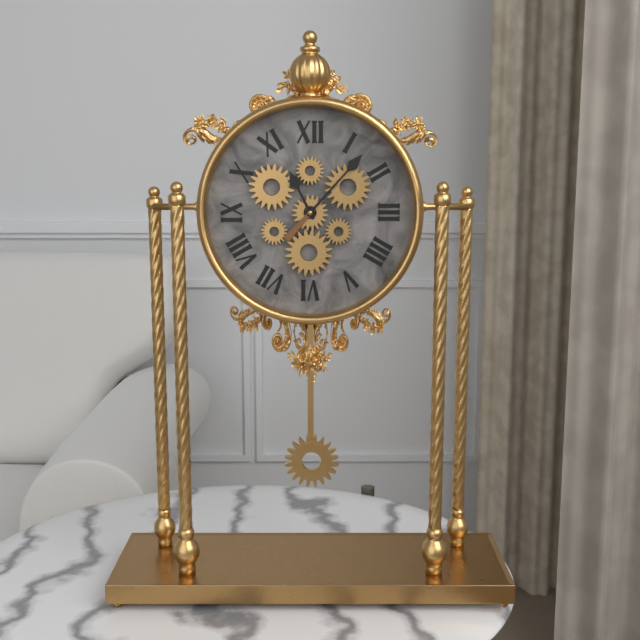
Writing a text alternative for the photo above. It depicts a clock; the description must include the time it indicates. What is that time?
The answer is 11:07
